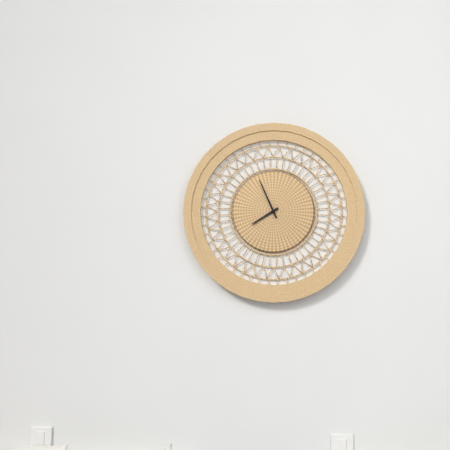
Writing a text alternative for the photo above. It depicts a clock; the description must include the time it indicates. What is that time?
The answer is 7:56
